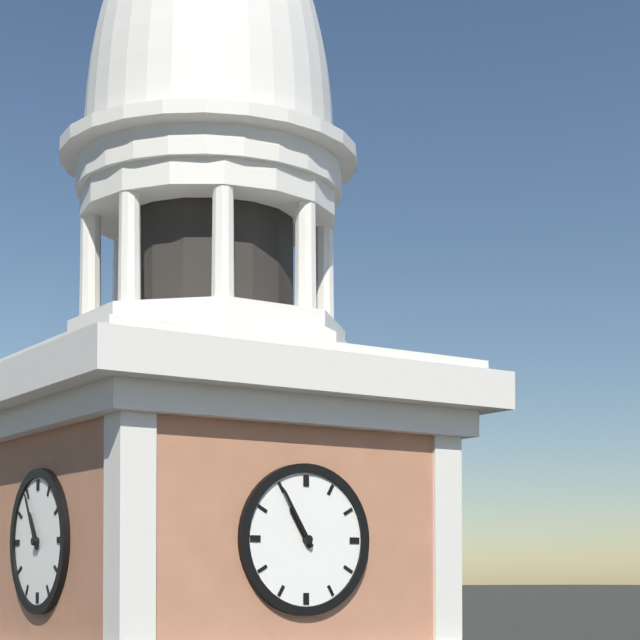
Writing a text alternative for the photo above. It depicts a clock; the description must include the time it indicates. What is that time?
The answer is 10:55
